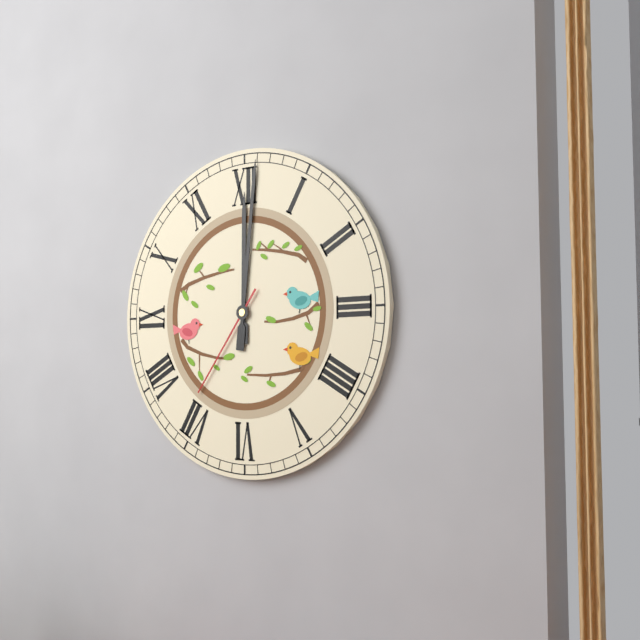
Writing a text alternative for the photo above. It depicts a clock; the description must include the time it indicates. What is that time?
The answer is 12:01:36
